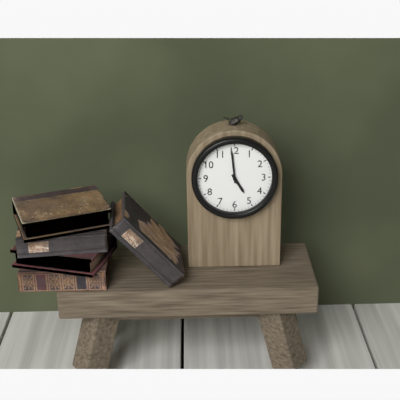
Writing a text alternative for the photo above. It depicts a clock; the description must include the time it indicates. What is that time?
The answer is 4:59
